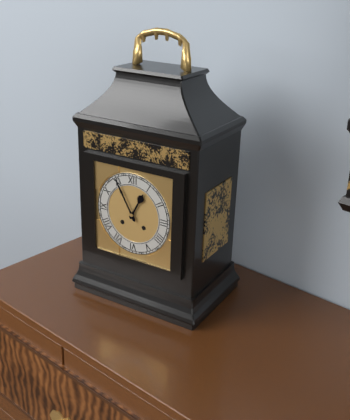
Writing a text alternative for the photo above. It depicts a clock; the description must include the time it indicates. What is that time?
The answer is 12:55
